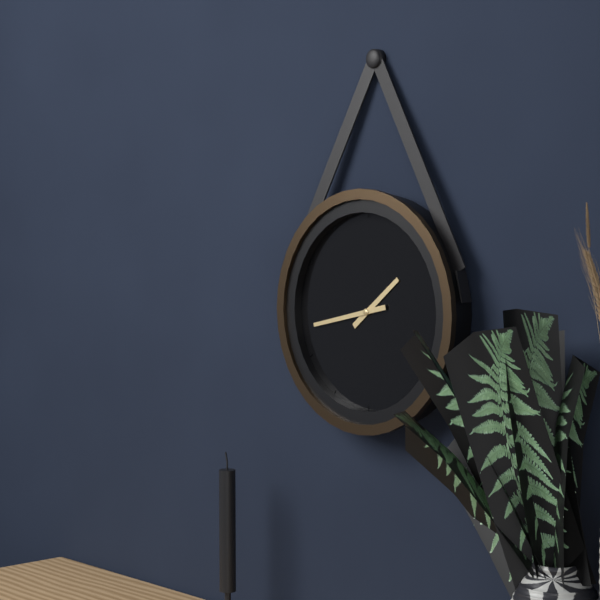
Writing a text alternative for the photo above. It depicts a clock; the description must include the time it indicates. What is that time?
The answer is 1:43
